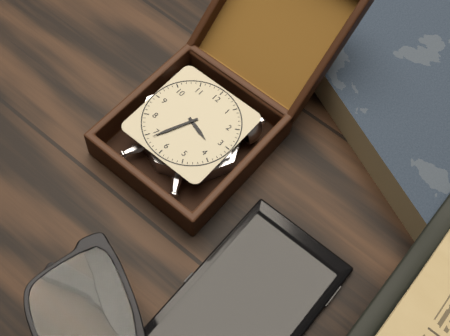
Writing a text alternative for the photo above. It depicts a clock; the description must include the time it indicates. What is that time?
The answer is 3:34
